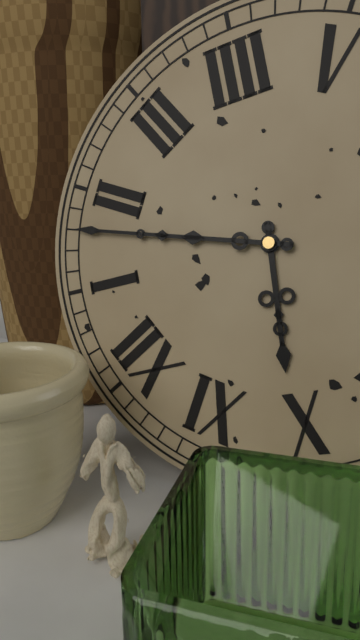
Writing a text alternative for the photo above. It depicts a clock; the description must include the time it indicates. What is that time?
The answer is 10:08
